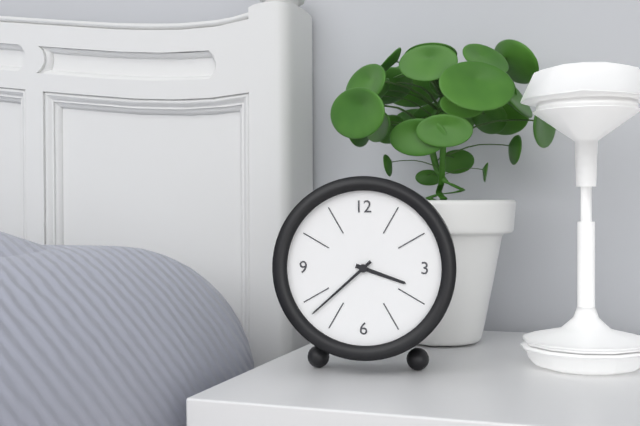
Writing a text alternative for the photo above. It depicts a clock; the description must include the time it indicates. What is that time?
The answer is 3:38
